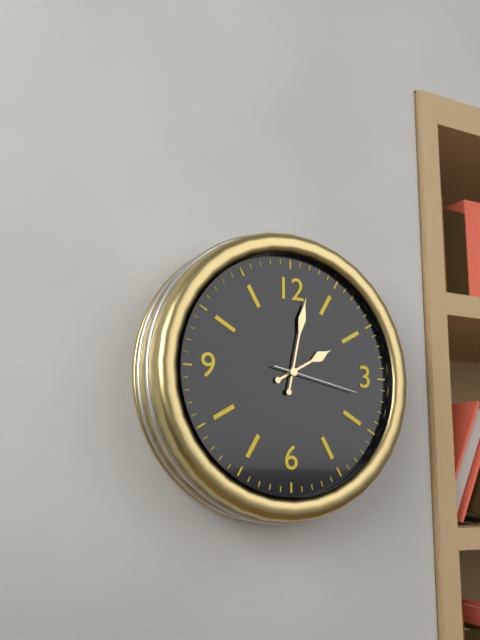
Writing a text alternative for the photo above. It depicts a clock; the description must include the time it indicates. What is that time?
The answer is 2:02:17
